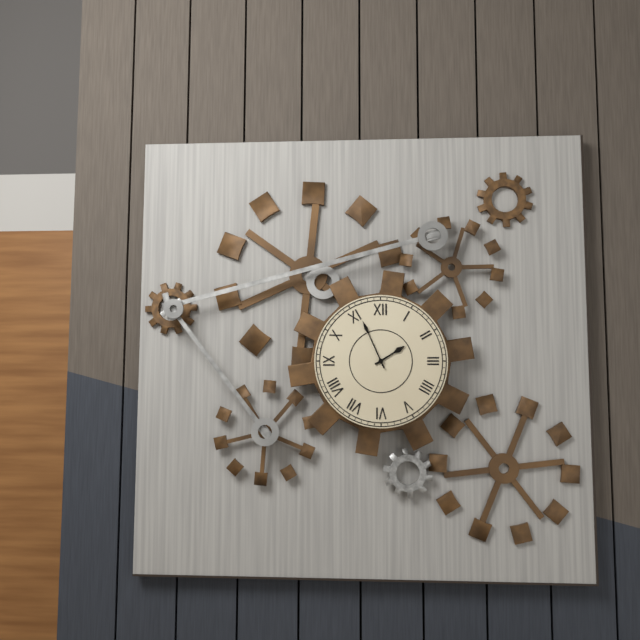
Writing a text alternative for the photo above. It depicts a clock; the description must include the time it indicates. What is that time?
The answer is 1:56
